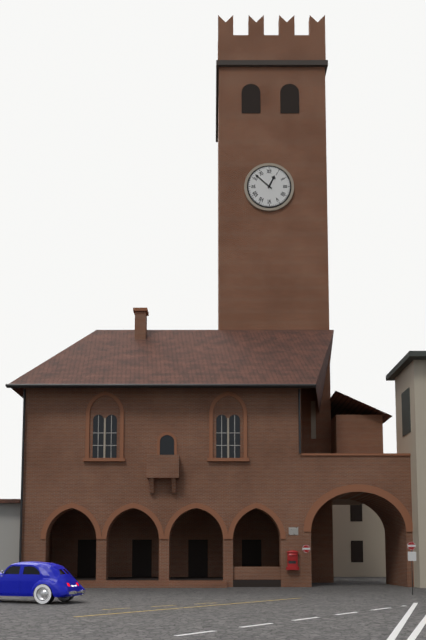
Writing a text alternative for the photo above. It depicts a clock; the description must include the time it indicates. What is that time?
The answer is 12:52
